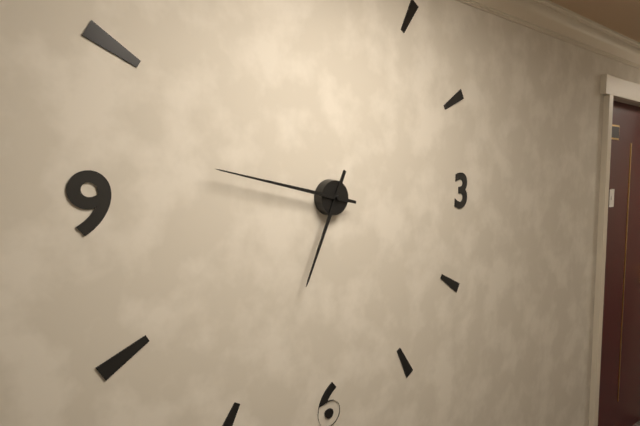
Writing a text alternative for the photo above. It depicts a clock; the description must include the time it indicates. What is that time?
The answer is 6:47
